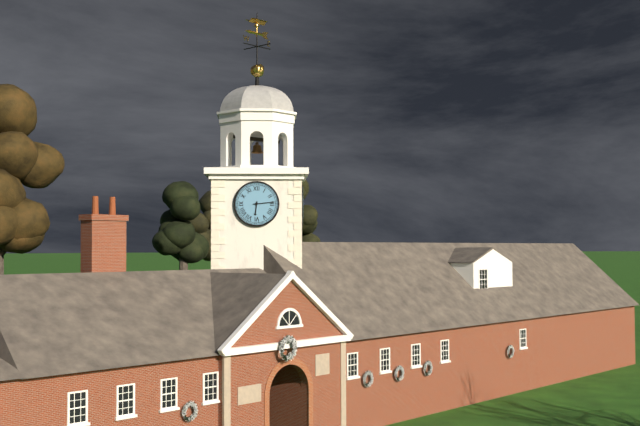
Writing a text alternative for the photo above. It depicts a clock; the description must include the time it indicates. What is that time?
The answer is 6:14
